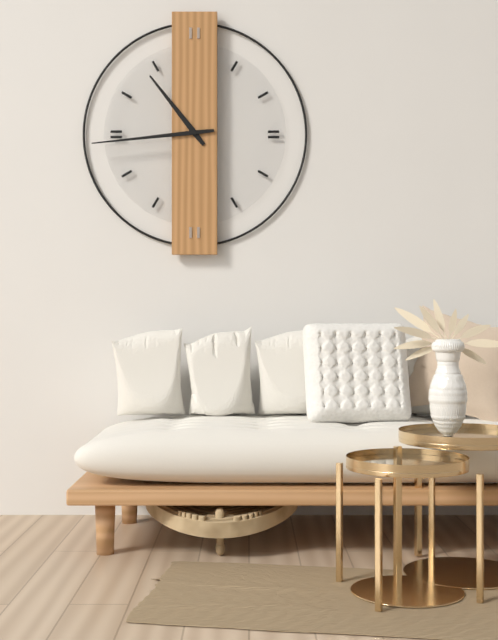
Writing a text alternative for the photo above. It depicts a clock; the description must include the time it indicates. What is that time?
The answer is 10:44
